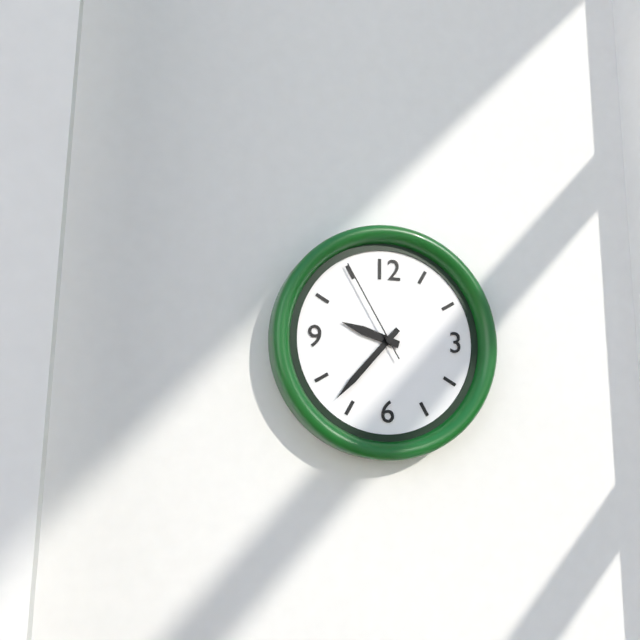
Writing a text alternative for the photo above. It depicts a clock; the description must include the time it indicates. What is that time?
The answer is 9:37:55
